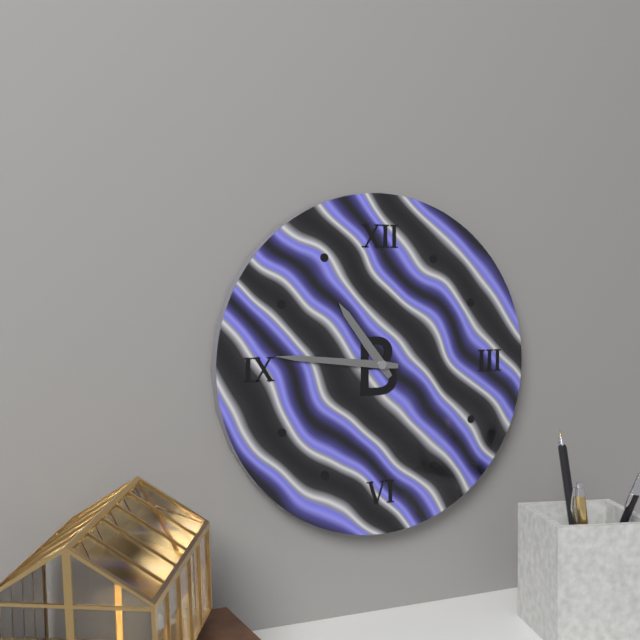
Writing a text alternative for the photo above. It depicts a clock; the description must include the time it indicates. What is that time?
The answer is 10:46
